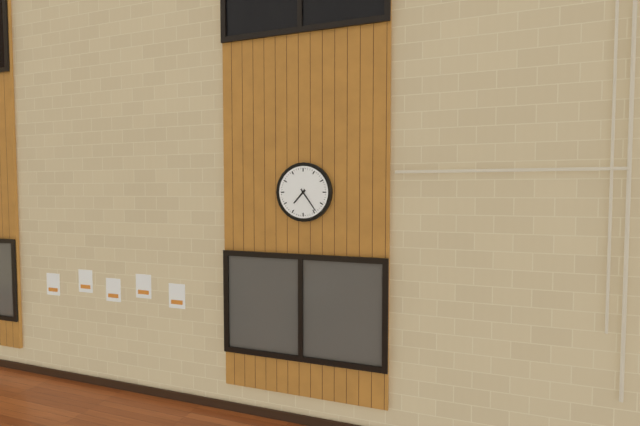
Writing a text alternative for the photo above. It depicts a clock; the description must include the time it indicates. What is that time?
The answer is 7:24
